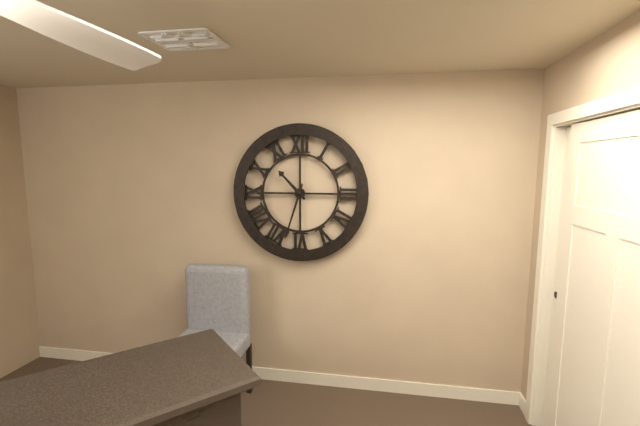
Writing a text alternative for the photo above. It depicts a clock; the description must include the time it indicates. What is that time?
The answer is 10:33
